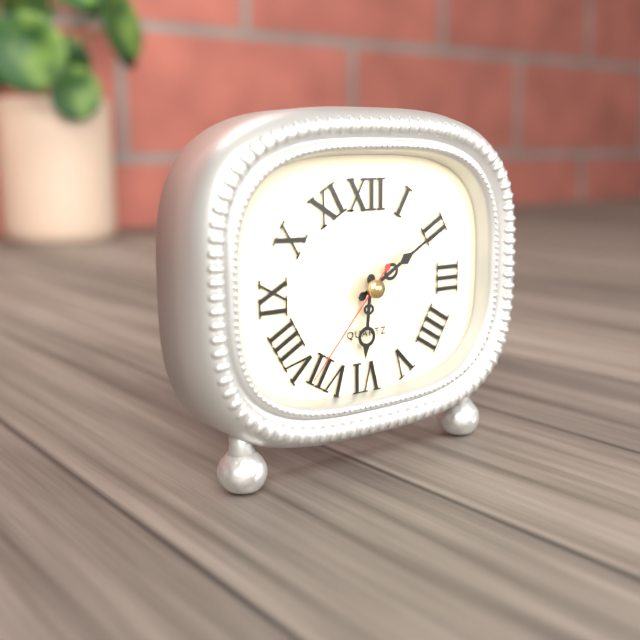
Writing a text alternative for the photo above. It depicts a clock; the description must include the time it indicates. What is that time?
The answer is 6:10:37
